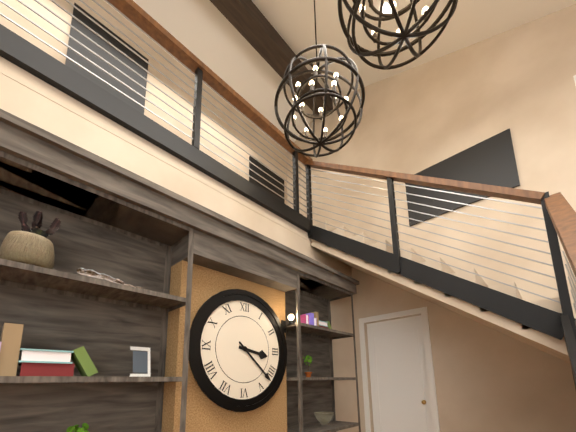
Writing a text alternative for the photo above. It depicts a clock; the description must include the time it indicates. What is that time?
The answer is 3:22
